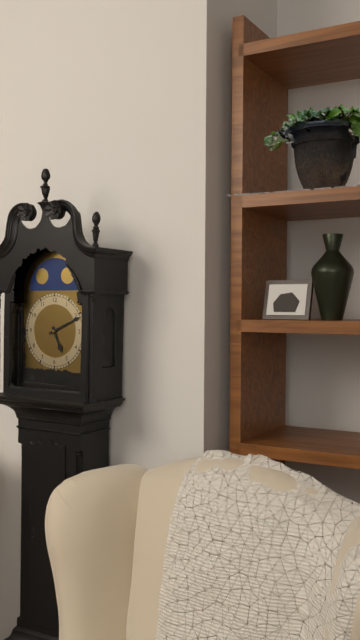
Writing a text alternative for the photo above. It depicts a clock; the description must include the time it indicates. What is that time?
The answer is 5:11
